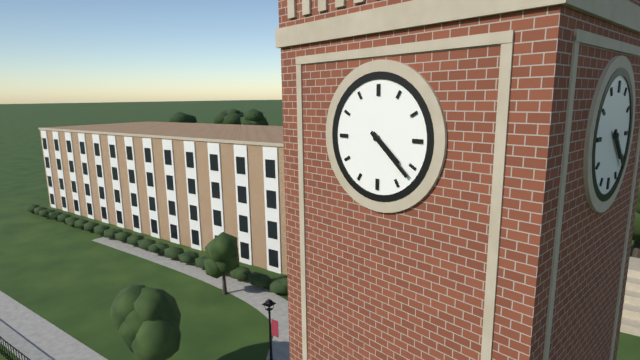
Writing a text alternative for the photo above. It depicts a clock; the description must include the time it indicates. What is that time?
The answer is 4:22
